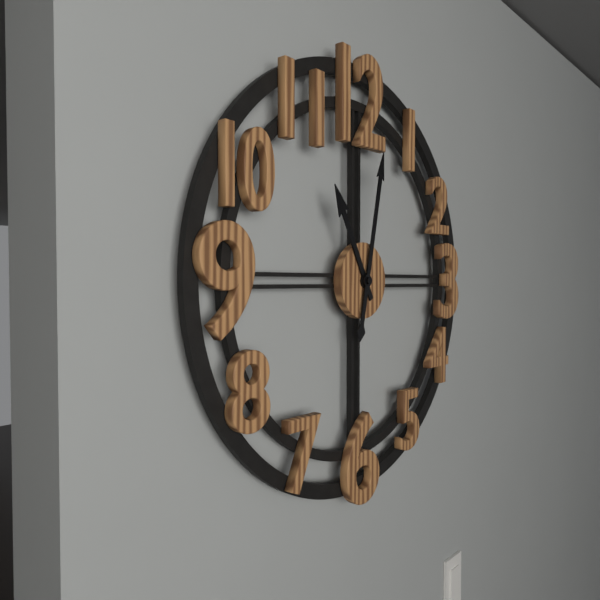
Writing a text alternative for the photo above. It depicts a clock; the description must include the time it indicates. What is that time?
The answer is 11:02
